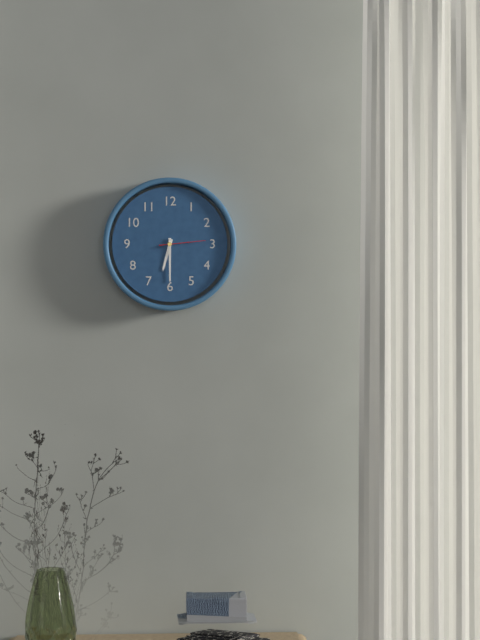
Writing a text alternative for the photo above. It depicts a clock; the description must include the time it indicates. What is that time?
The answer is 6:30
